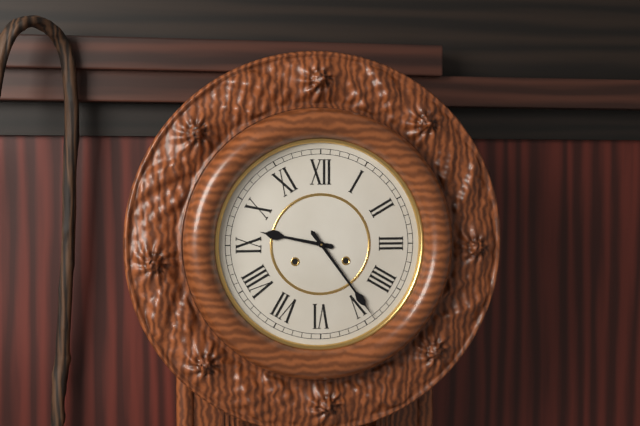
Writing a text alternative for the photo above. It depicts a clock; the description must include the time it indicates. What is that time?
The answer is 9:24
